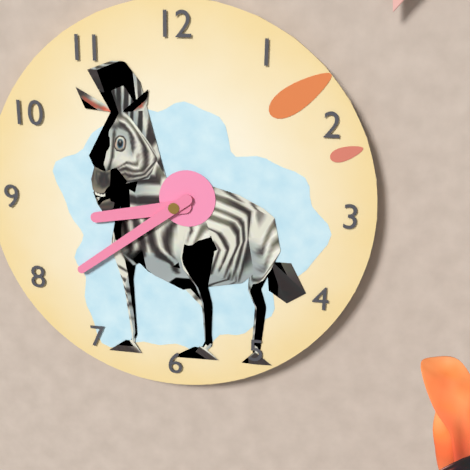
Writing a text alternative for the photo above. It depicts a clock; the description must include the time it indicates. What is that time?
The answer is 8:39
